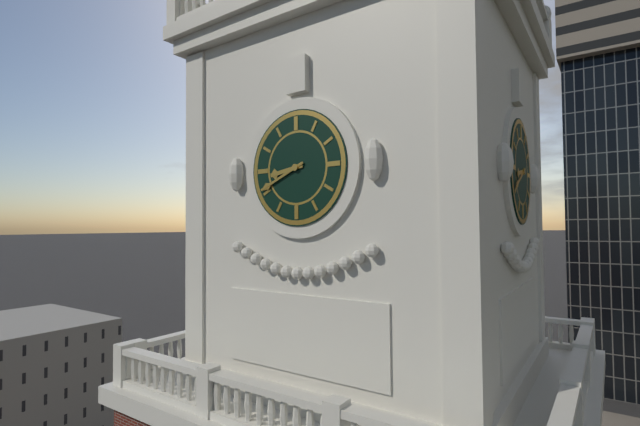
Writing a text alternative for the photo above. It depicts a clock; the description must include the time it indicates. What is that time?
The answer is 8:41
